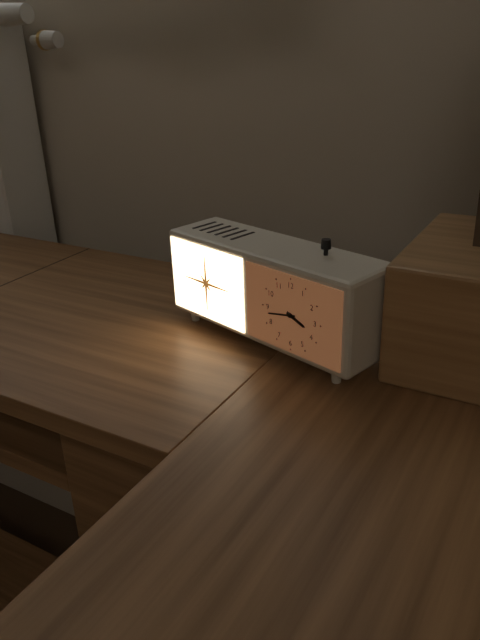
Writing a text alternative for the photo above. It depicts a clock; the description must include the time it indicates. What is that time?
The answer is 3:43
